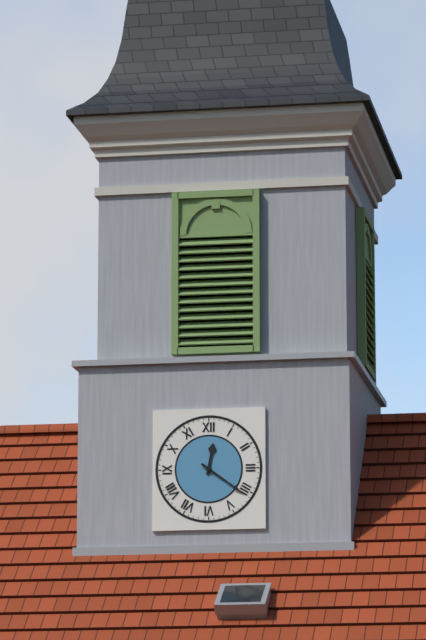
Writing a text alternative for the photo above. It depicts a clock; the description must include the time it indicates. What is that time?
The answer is 12:21
